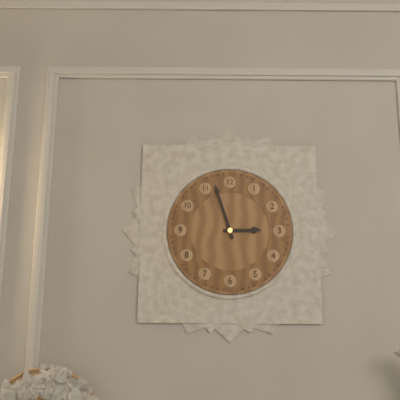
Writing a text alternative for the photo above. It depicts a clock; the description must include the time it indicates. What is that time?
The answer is 2:57
